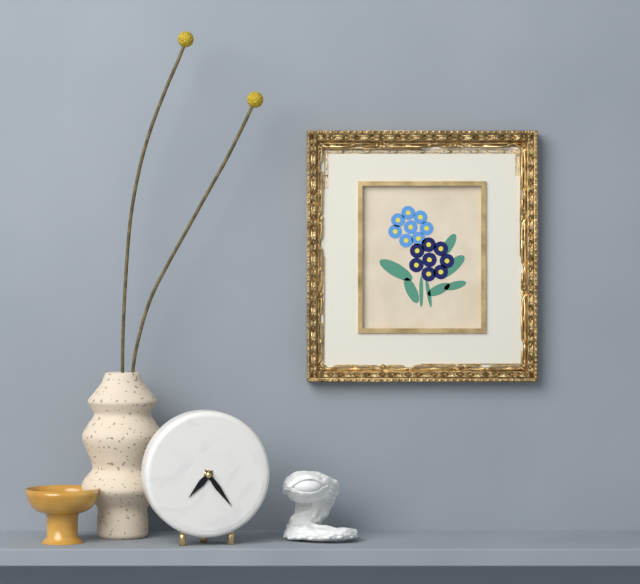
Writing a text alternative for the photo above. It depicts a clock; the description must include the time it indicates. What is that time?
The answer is 7:24
